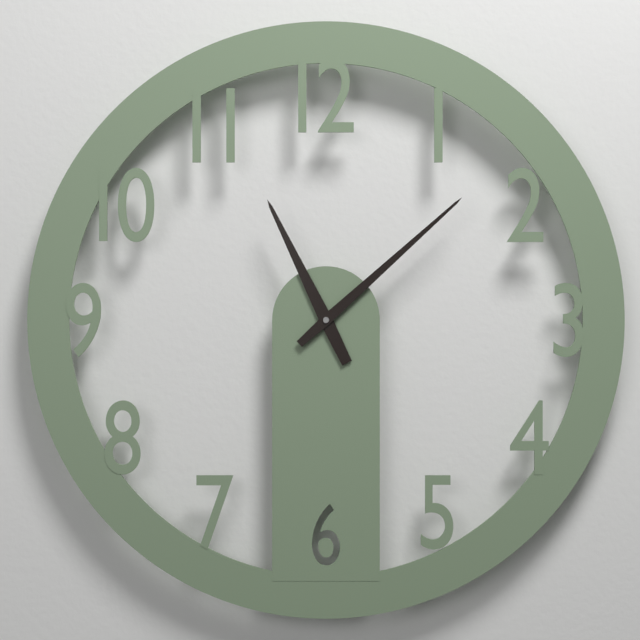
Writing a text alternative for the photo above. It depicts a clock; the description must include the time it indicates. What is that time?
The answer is 11:08
